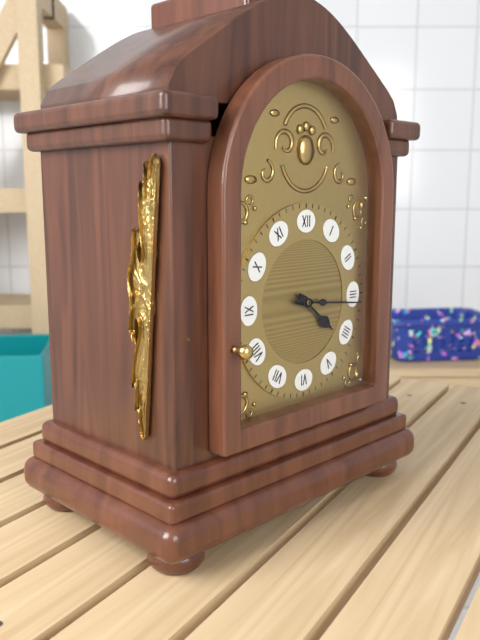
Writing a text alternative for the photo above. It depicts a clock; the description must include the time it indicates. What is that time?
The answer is 4:16
